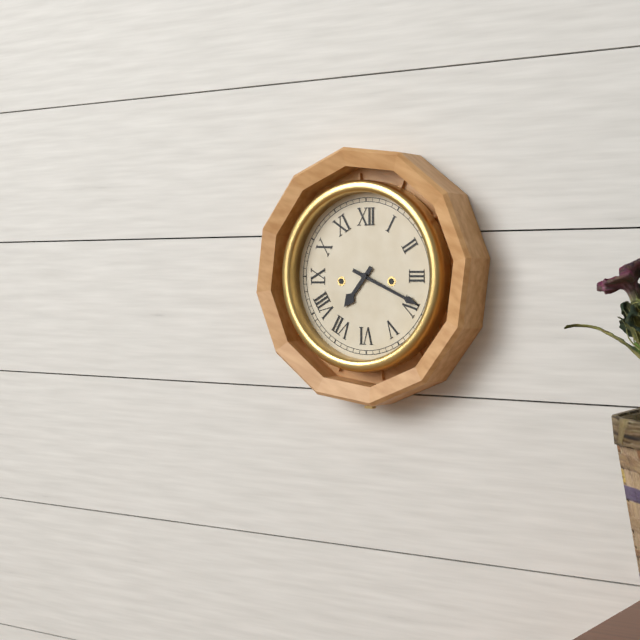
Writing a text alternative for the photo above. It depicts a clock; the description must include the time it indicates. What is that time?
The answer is 7:19
